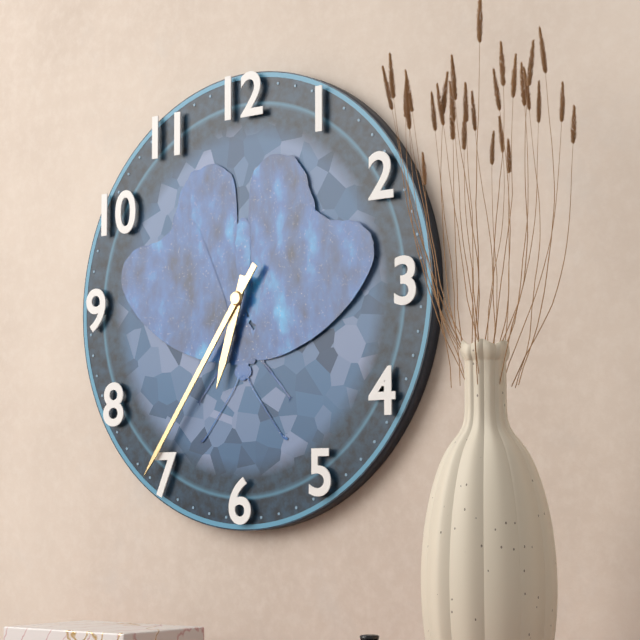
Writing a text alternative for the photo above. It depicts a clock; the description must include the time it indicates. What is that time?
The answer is 6:36
